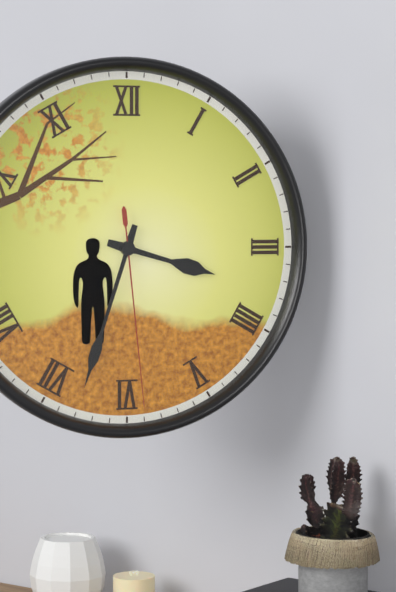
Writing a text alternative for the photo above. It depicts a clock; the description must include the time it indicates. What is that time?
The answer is 3:33:29
